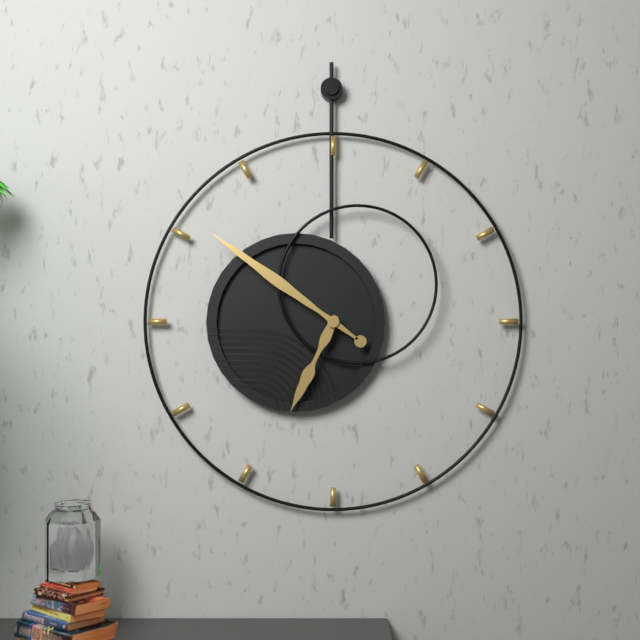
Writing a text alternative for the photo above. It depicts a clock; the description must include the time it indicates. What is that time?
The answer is 6:51
